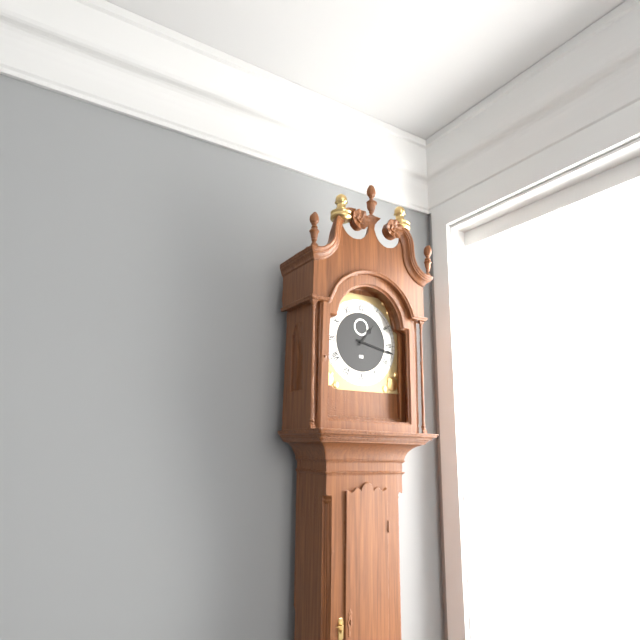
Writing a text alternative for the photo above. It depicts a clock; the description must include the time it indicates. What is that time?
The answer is 1:17
